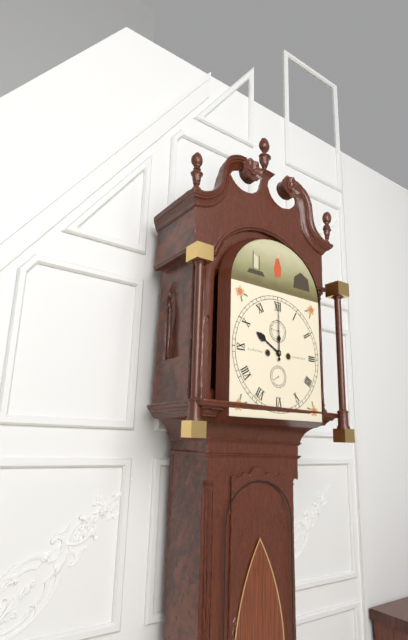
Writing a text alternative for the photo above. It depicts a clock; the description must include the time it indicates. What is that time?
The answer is 10:00
